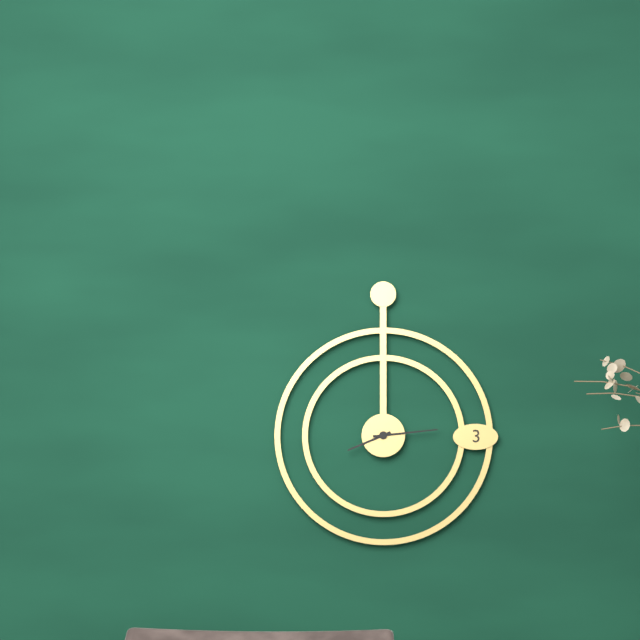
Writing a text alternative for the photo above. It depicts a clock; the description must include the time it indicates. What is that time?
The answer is 8:14
